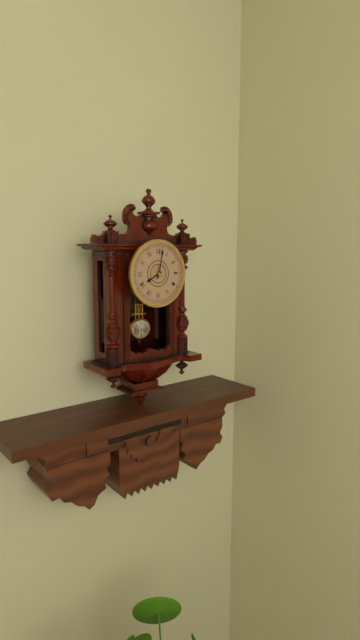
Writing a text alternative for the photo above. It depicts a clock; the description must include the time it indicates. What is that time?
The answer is 8:02
